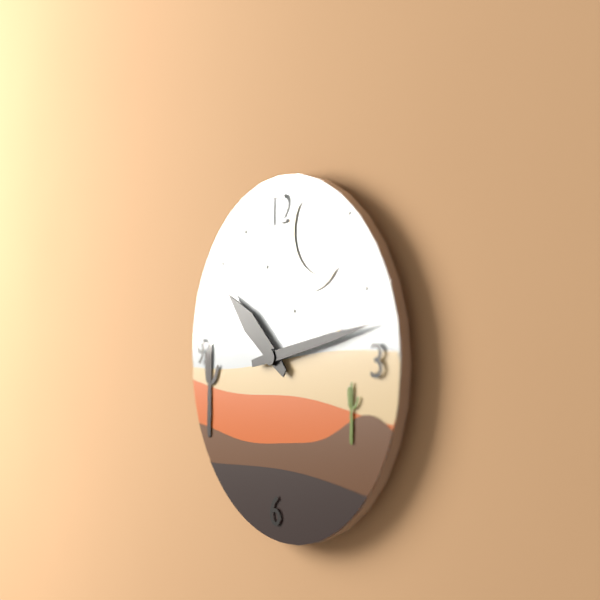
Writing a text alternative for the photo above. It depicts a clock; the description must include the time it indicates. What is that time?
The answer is 10:13
